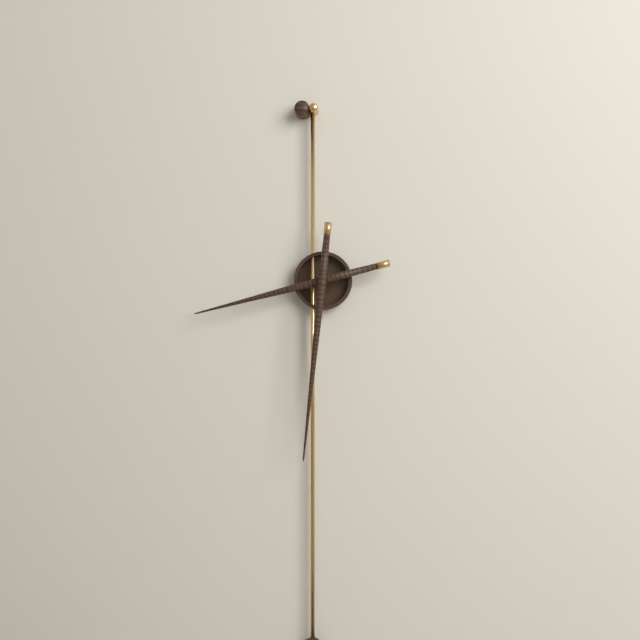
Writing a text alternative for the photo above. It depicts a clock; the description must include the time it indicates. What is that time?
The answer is 8:31
